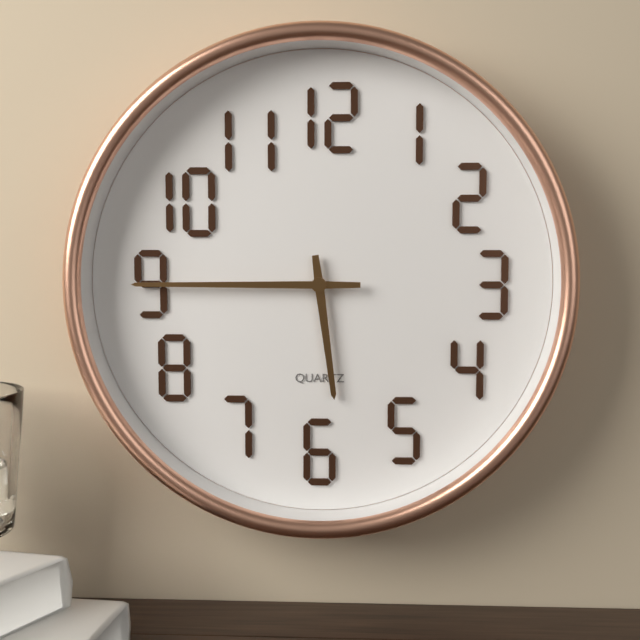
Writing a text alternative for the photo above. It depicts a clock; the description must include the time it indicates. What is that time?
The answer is 5:45
